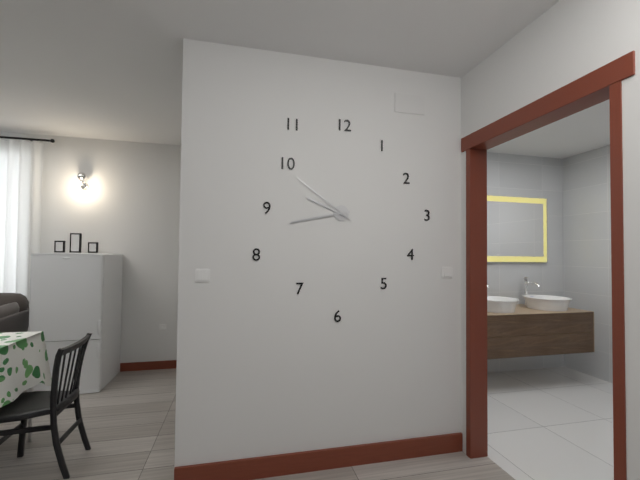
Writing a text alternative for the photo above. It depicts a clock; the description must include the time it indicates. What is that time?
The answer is 9:43:51
